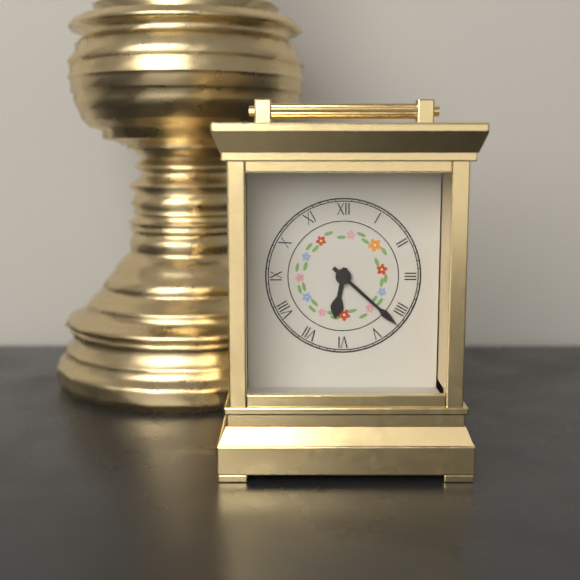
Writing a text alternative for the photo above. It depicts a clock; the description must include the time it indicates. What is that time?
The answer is 6:22
